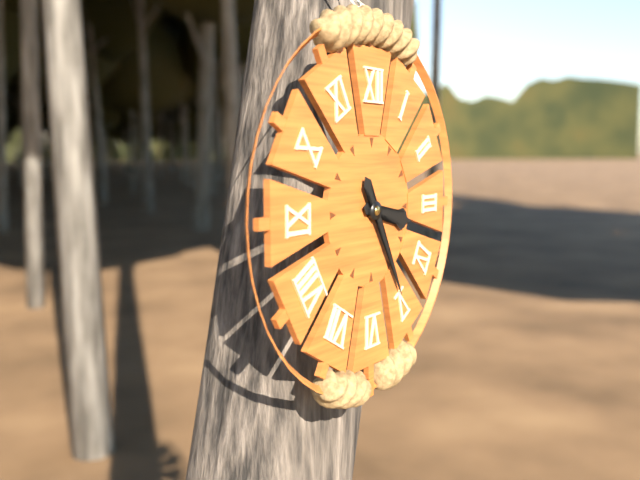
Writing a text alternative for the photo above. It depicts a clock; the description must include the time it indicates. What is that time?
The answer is 3:25
